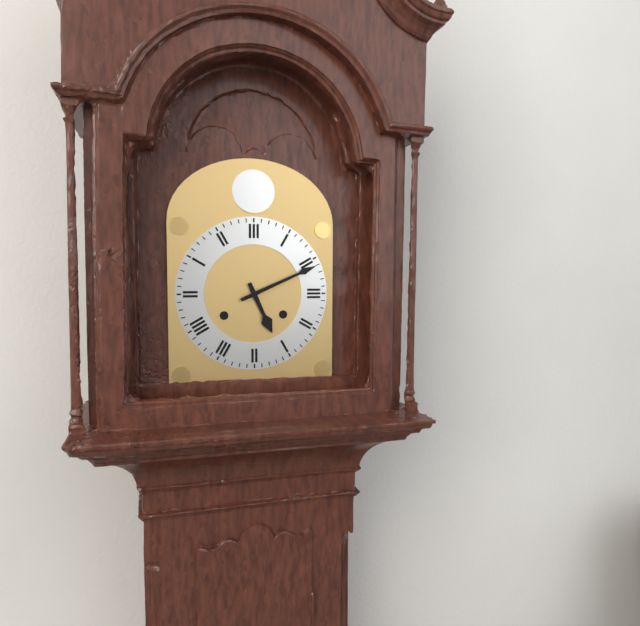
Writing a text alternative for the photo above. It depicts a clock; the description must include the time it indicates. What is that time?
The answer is 5:11
